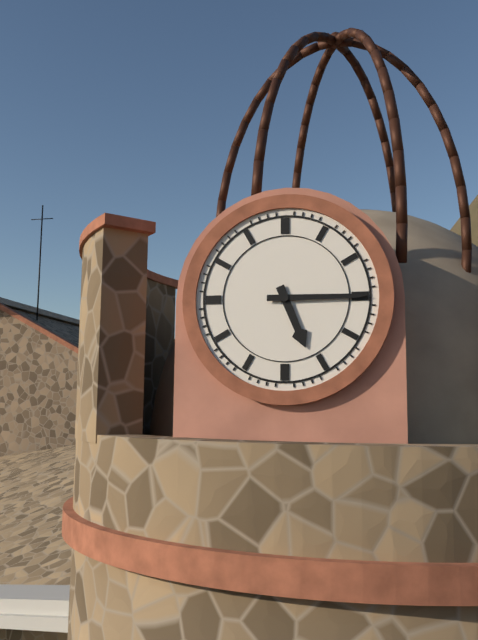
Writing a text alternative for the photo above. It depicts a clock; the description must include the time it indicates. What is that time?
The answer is 5:15
